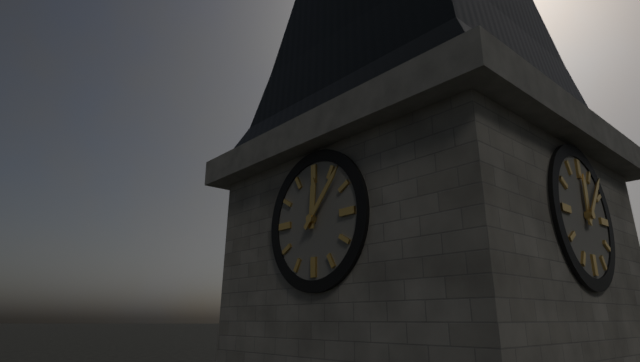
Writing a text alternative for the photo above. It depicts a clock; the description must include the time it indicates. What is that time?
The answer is 12:07
